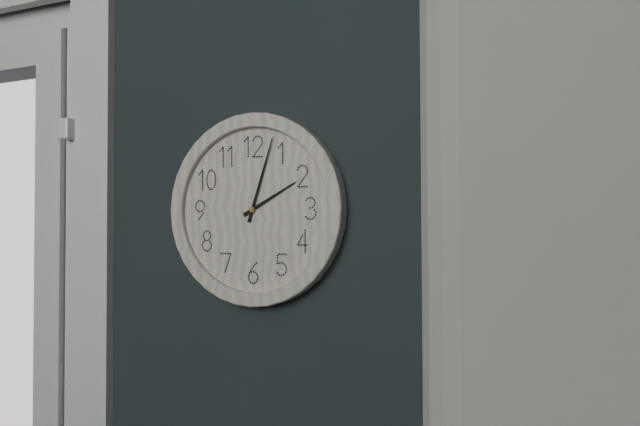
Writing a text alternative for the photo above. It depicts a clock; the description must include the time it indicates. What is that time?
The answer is 2:03
